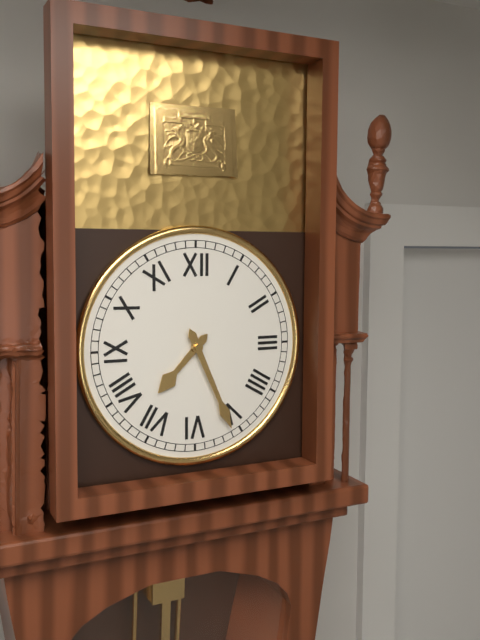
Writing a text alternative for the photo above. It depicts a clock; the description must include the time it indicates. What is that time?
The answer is 7:26
